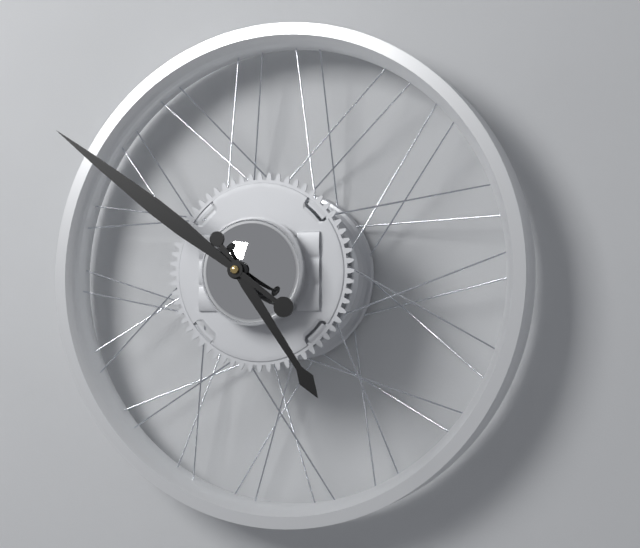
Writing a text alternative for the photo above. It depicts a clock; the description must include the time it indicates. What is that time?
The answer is 4:51
